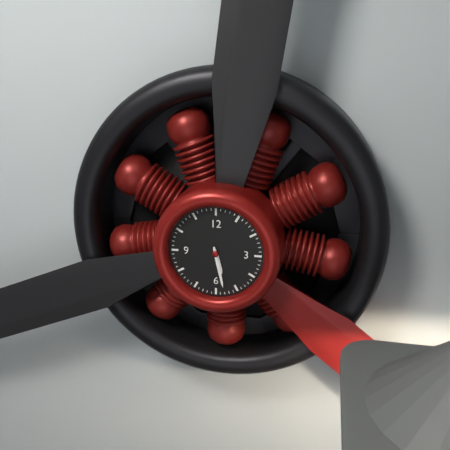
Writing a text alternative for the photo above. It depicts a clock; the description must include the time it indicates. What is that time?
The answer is 5:28
